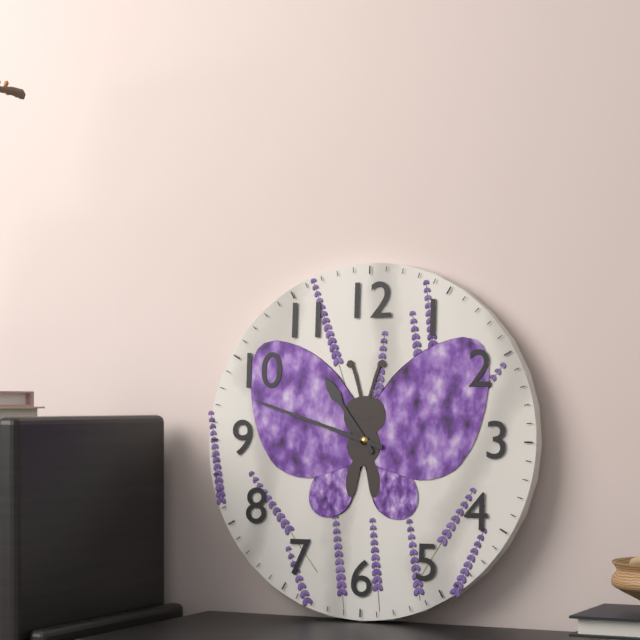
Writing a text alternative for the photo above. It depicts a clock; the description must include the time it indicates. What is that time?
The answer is 10:48
